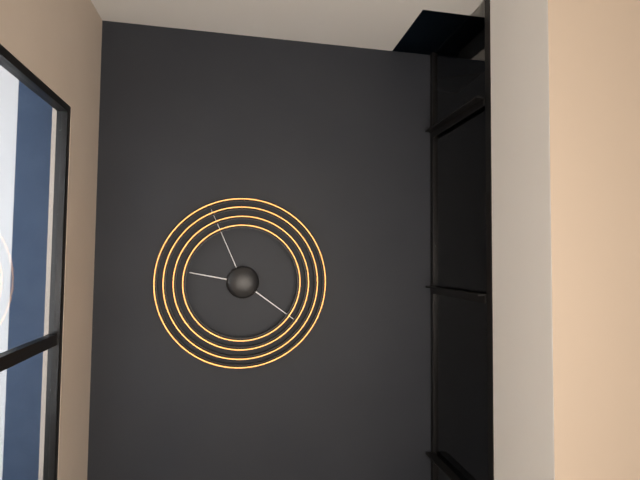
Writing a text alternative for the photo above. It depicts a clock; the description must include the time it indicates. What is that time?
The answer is 9:21:56
